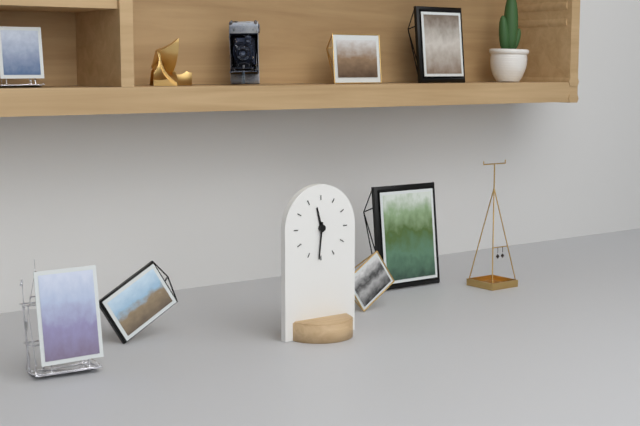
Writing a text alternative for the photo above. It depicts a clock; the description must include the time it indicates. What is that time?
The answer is 11:31
